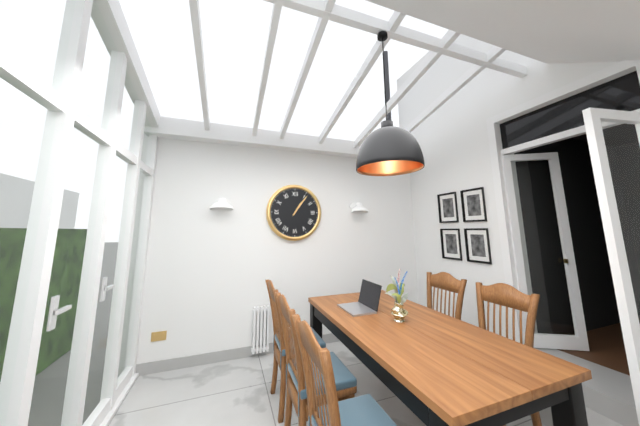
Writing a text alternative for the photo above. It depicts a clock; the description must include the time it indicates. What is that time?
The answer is 1:06
